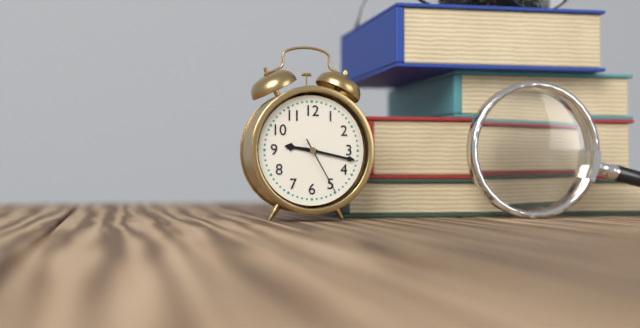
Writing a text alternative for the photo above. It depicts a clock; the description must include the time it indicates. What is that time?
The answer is 9:17:25
